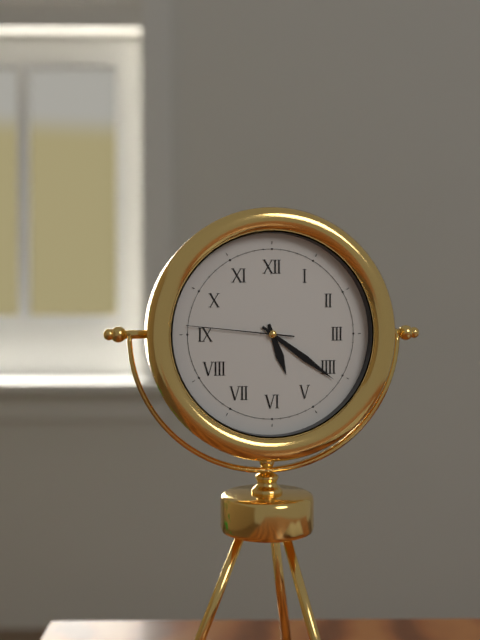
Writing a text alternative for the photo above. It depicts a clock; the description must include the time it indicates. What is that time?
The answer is 5:21:46
